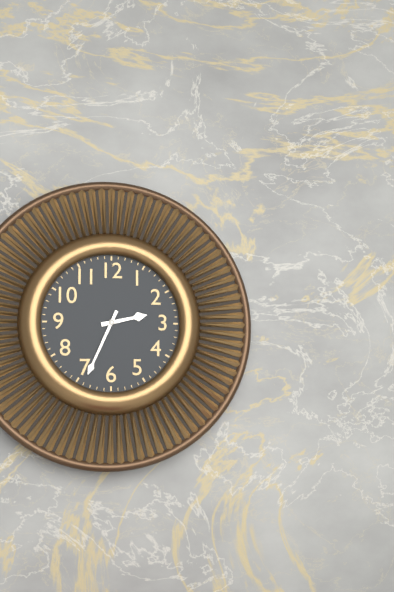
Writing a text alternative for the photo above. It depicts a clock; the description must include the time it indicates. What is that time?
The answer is 2:34
